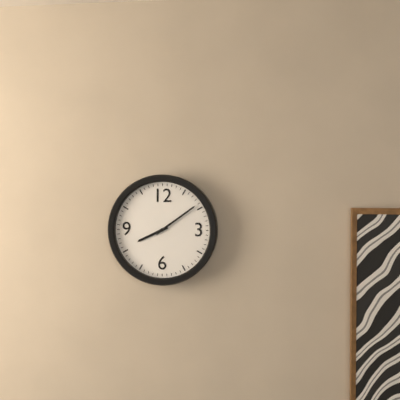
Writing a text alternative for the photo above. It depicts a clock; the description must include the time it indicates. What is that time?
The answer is 8:09
